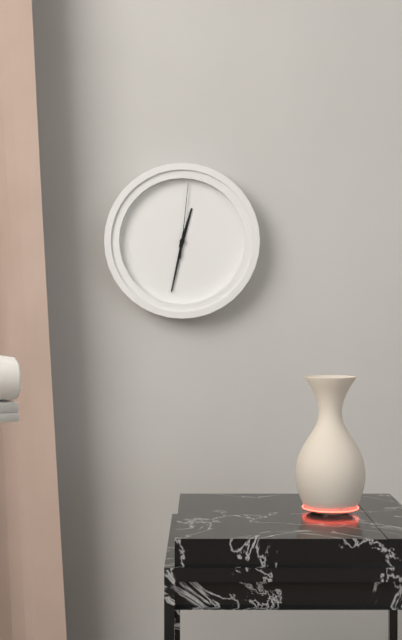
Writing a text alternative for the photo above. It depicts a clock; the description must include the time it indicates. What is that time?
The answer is 12:32:01
